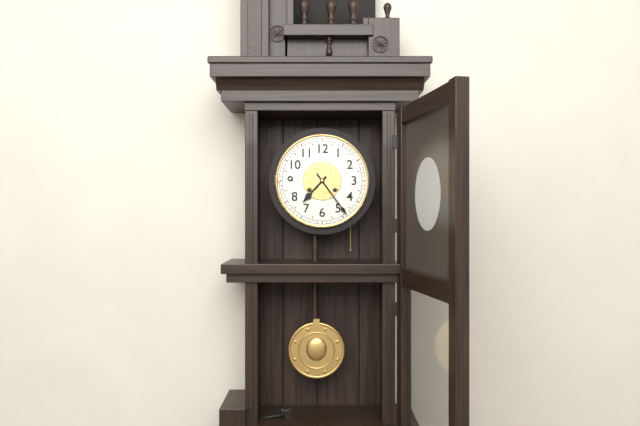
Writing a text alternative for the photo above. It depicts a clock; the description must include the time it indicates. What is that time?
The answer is 7:24
